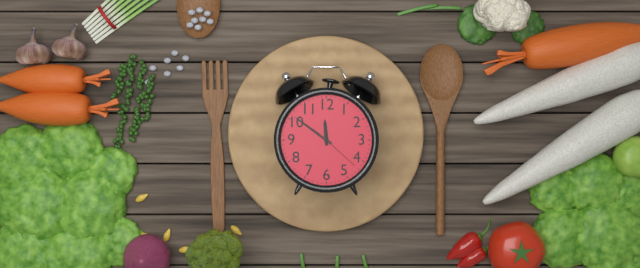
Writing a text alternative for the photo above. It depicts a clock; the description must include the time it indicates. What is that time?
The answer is 11:51
